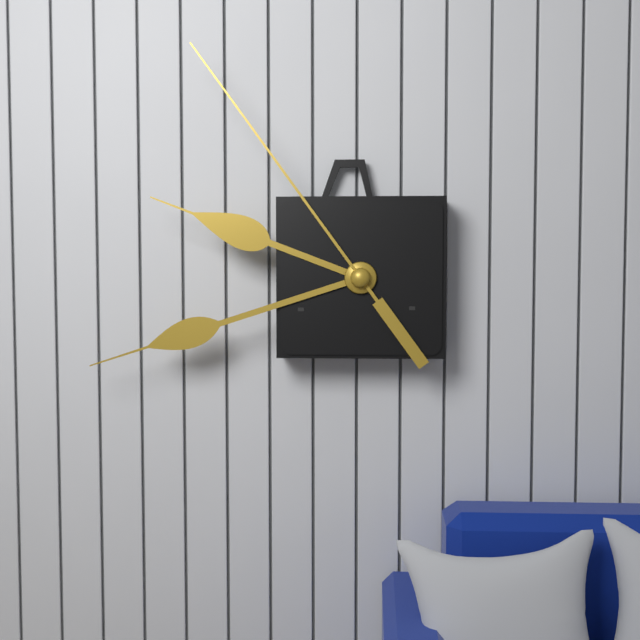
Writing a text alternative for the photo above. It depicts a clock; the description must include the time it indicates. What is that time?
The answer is 9:42:54
